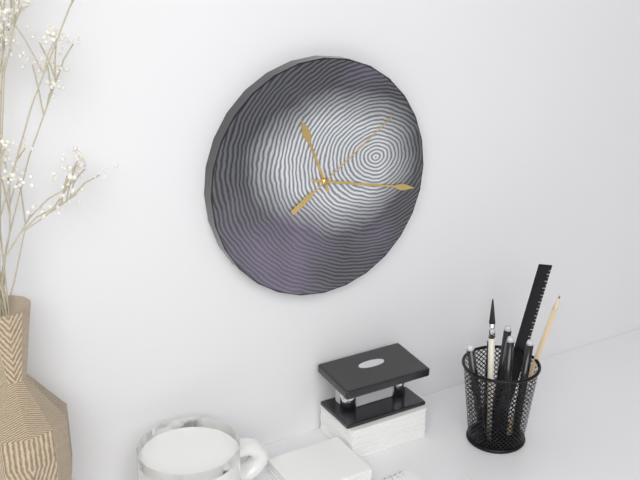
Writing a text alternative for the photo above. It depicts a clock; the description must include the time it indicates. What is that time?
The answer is 11:17:09
